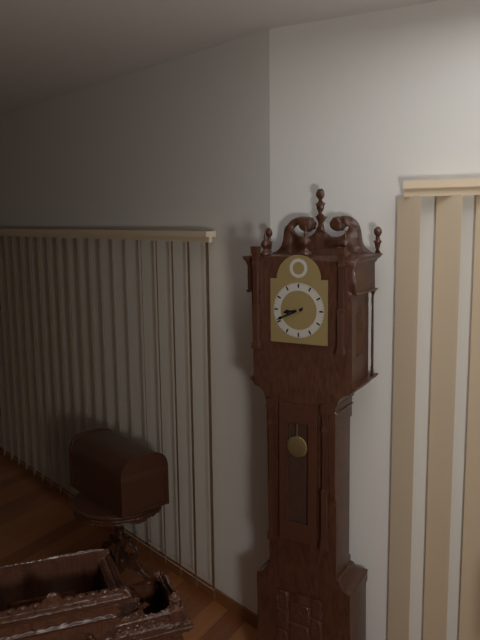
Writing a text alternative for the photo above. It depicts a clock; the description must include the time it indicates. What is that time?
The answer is 8:41
